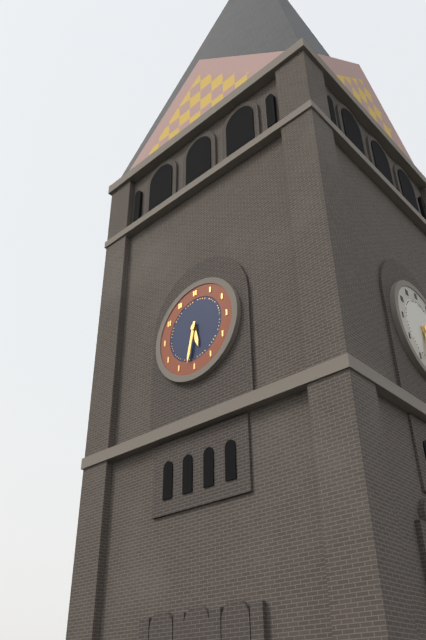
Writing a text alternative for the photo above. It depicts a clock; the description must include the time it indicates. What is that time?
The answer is 5:32
